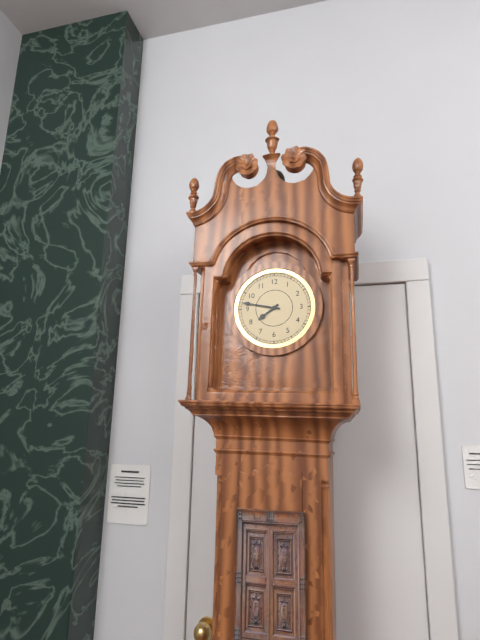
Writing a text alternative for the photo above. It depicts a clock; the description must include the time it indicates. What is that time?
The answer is 7:47
